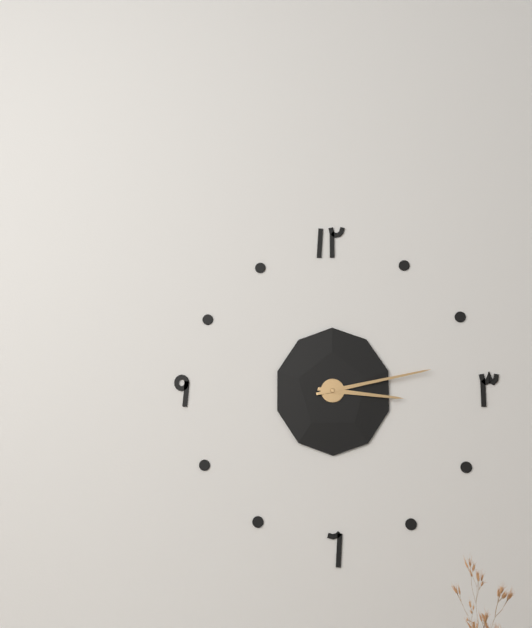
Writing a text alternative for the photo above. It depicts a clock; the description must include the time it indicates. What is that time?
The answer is 3:13
